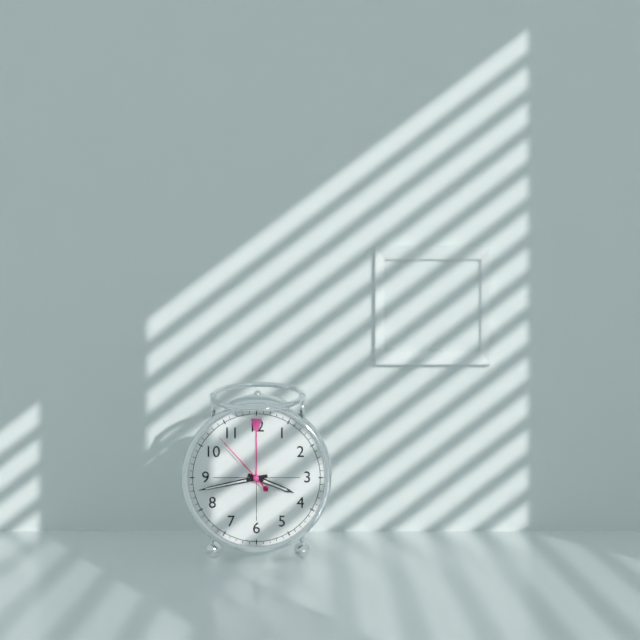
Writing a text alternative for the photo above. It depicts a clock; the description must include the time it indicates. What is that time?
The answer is 3:43:53
